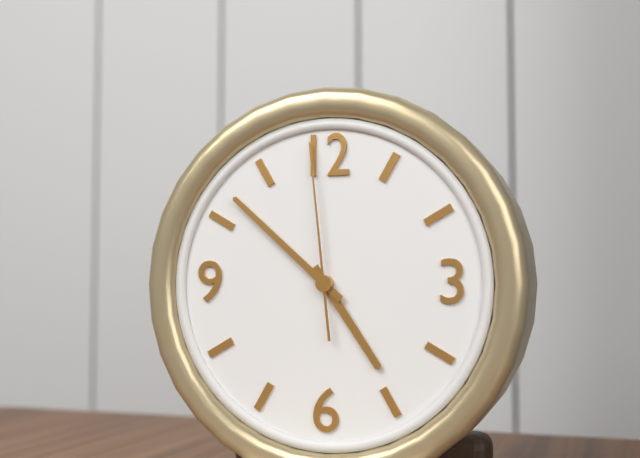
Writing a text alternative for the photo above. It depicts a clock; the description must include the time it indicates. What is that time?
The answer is 4:52:59
